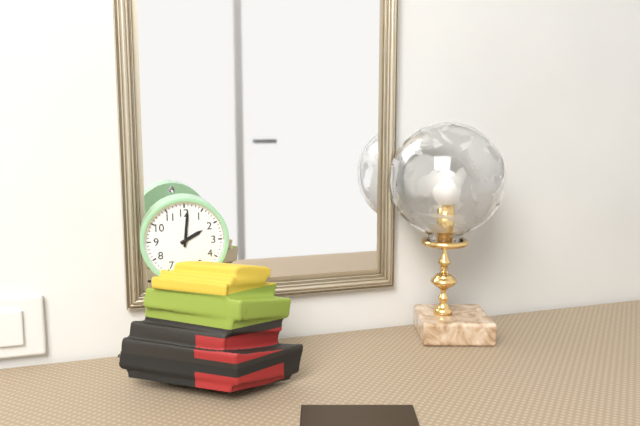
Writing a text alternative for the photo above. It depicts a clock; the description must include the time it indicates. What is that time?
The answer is 2:01
